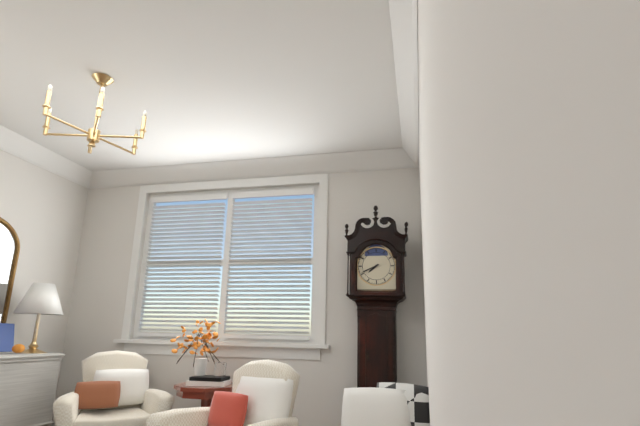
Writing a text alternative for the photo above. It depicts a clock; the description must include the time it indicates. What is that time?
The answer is 7:41
